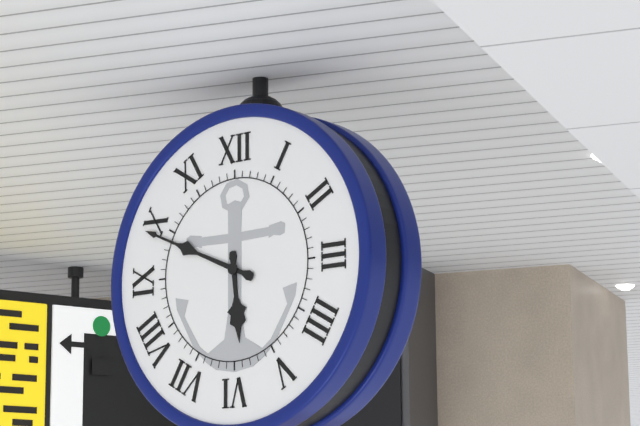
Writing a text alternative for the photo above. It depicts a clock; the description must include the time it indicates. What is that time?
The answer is 5:49
